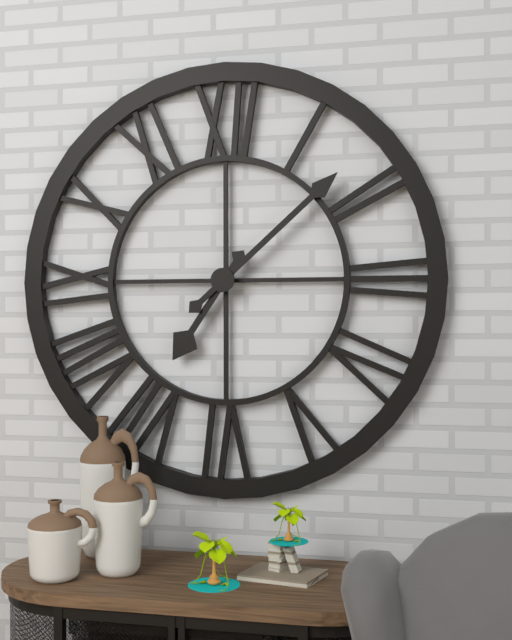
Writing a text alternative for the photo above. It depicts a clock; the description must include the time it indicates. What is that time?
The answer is 7:08
